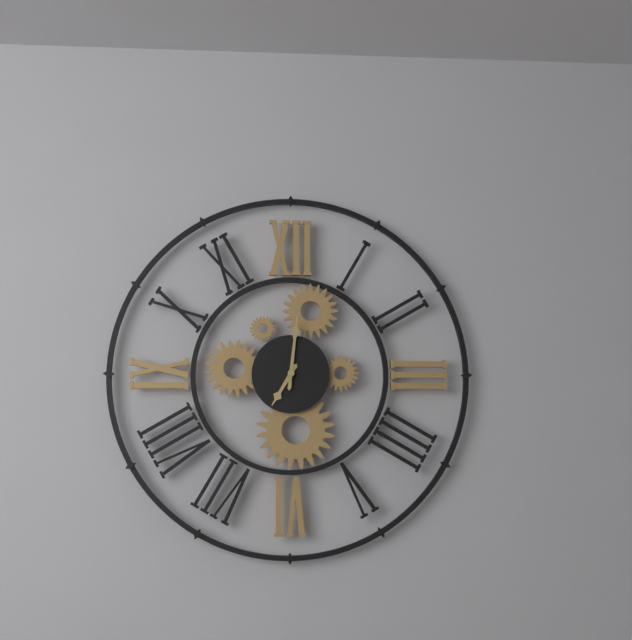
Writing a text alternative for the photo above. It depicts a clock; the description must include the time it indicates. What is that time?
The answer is 7:01
